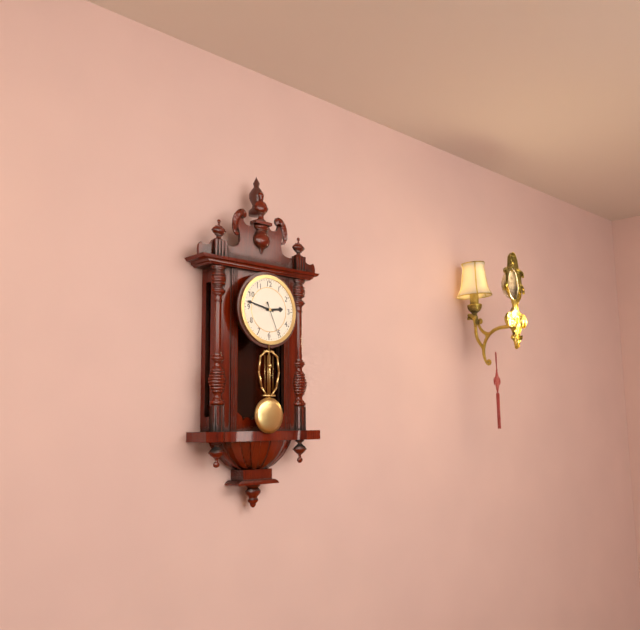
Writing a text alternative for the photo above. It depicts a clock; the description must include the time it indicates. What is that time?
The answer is 2:47
